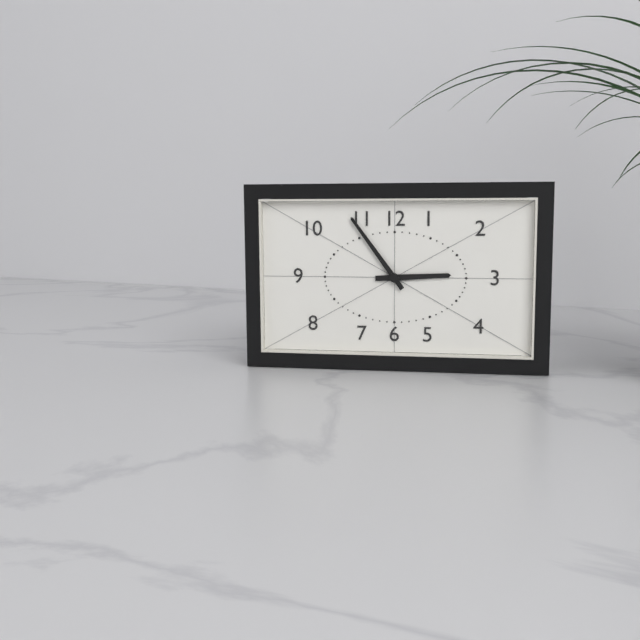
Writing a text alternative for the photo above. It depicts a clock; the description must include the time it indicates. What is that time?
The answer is 2:54
